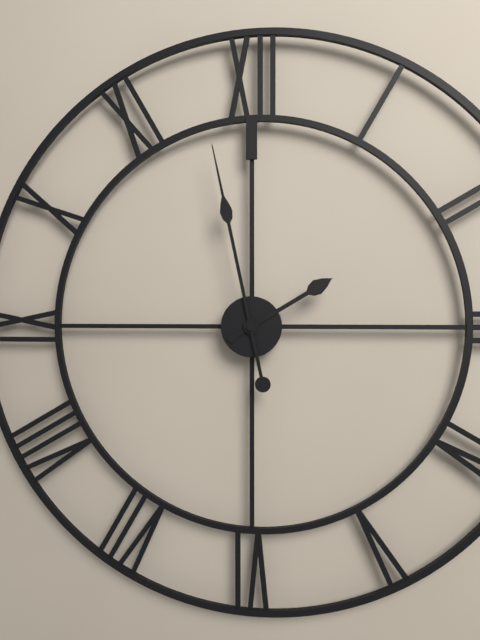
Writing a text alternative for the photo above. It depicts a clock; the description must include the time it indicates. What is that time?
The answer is 1:58
